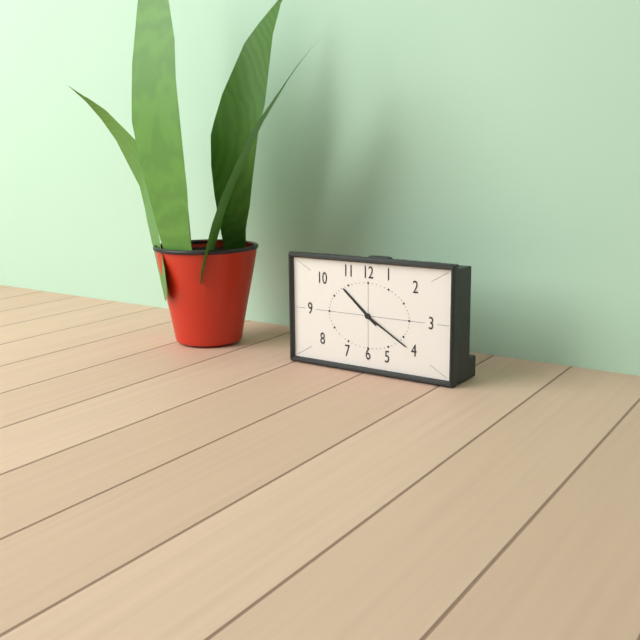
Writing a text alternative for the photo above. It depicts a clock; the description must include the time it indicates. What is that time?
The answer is 10:20
